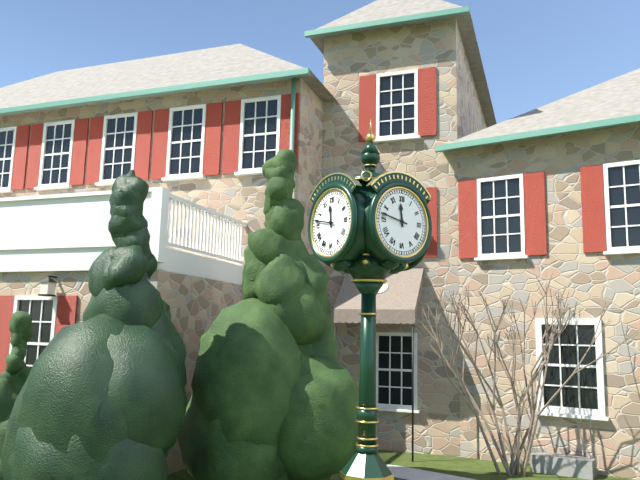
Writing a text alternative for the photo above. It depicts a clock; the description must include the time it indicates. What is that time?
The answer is 11:47
